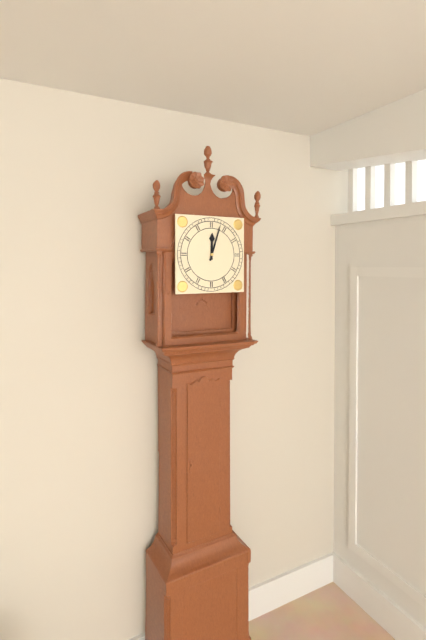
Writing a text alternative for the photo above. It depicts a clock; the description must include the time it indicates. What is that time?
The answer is 12:03
